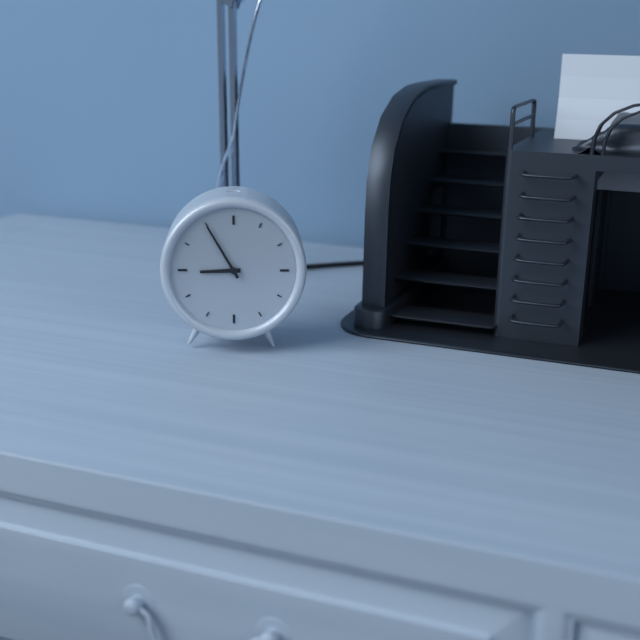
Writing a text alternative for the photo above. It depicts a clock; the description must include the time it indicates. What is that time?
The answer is 8:55
